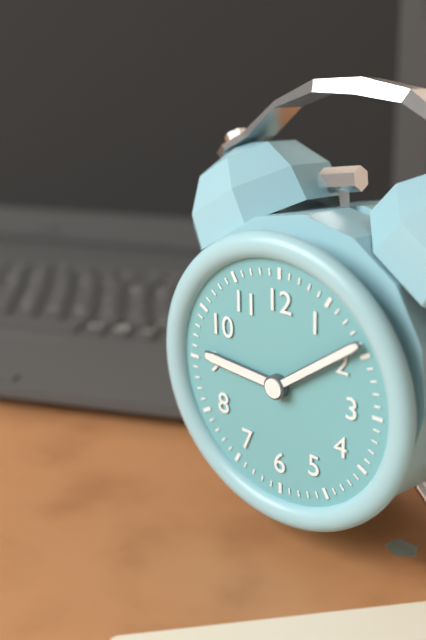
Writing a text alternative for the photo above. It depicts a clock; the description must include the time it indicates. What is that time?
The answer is 9:09
